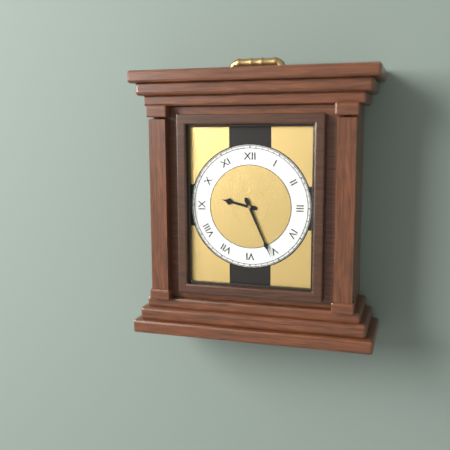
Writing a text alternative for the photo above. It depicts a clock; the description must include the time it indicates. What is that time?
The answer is 9:26
